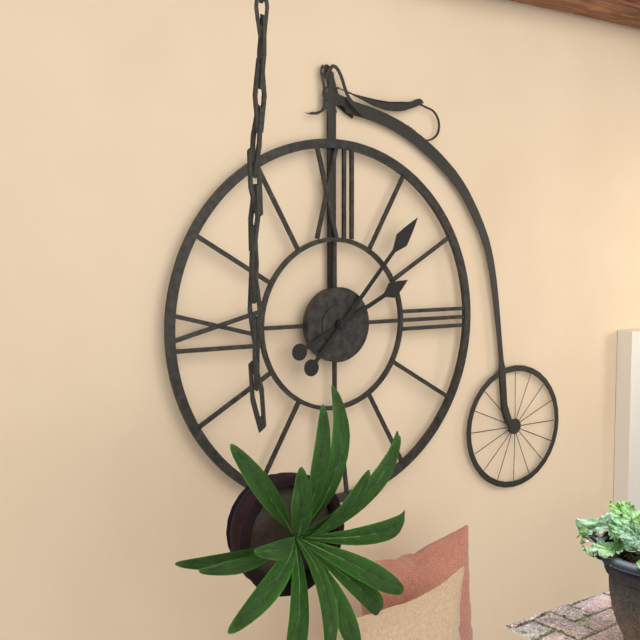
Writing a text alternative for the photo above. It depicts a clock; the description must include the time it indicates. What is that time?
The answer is 2:07
